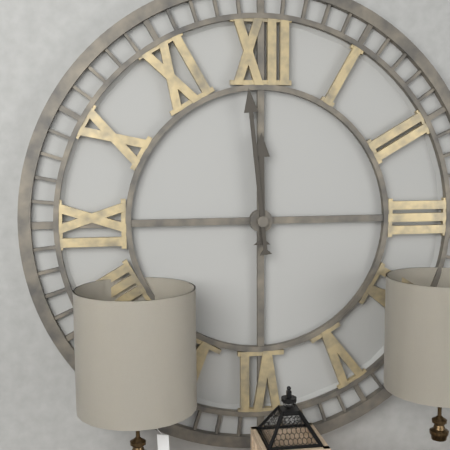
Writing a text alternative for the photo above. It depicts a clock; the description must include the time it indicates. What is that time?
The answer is 11:59
